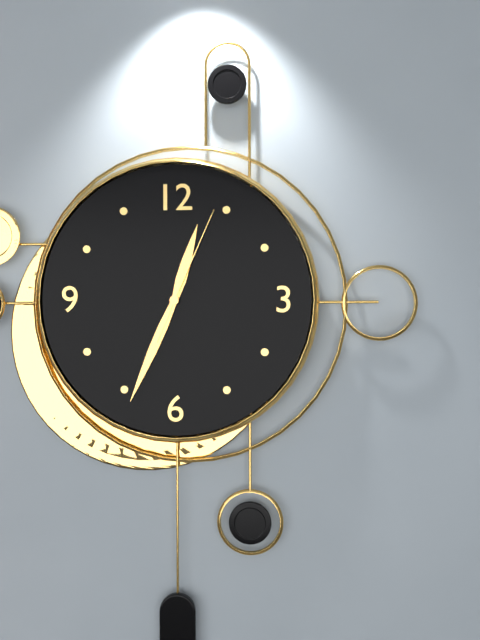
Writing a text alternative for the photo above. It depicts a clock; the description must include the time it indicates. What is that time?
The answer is 12:34:04
